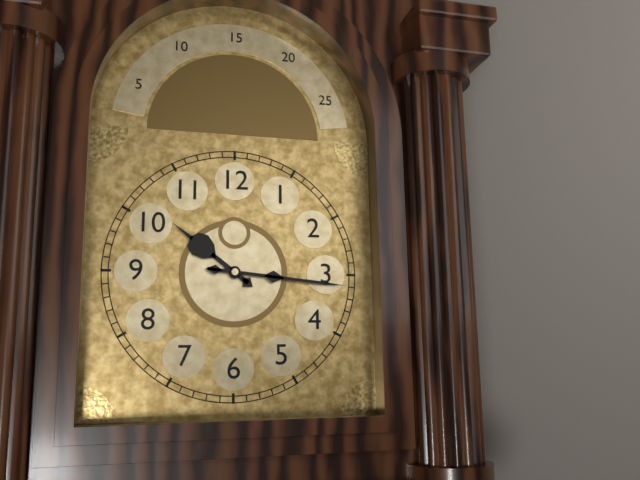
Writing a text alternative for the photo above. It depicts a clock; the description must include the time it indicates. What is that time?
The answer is 10:16
